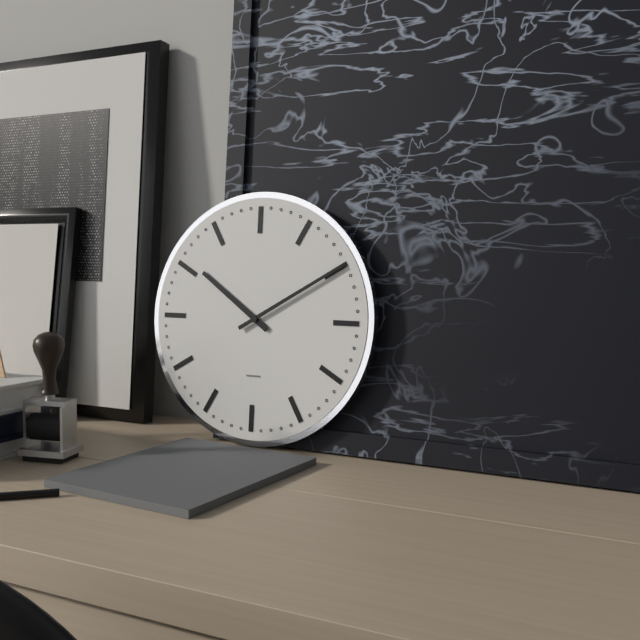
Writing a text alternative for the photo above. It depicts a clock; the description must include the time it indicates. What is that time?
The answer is 10:10
